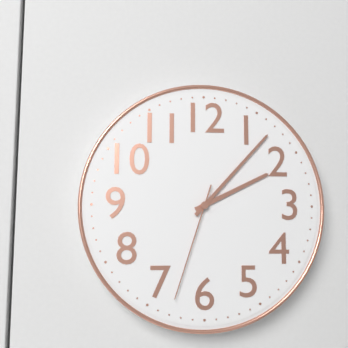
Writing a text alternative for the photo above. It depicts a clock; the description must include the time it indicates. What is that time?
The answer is 2:07:33
